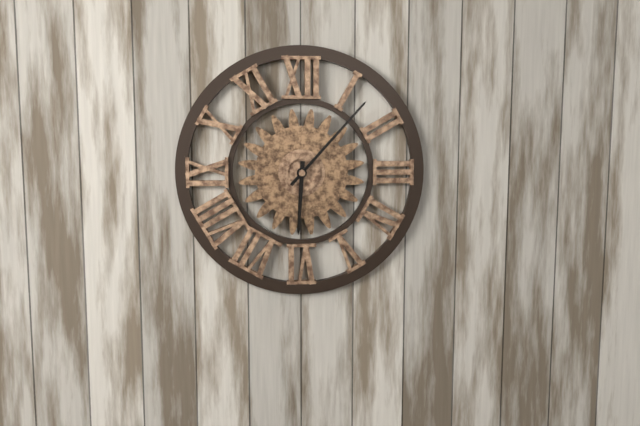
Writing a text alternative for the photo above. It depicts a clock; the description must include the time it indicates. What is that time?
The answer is 6:07
